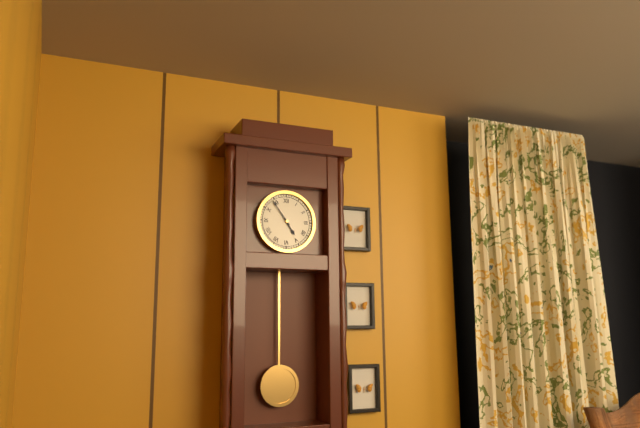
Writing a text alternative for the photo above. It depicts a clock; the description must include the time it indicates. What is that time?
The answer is 4:54
